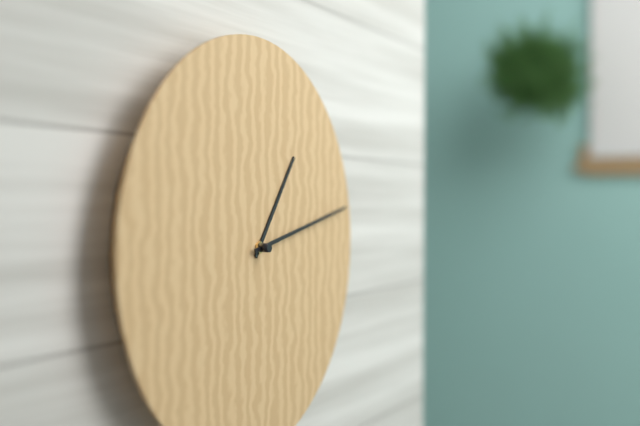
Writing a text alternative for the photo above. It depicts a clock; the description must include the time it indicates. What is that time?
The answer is 1:13
